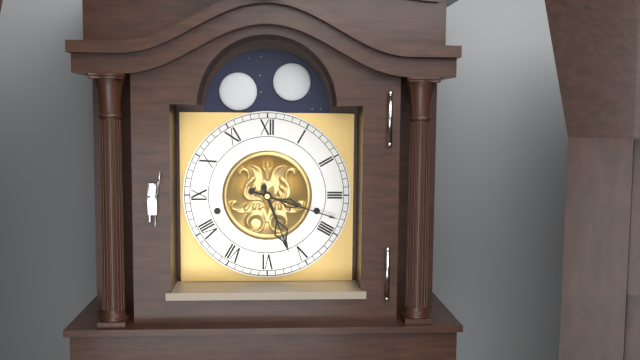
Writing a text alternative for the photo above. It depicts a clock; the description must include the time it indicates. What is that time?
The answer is 5:18
